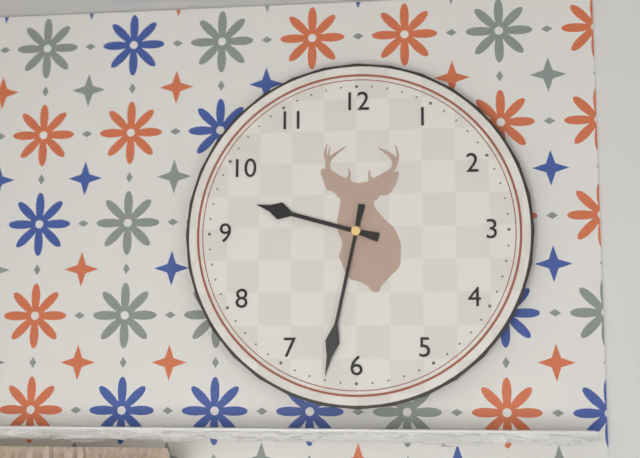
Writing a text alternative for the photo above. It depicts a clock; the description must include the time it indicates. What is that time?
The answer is 9:32
